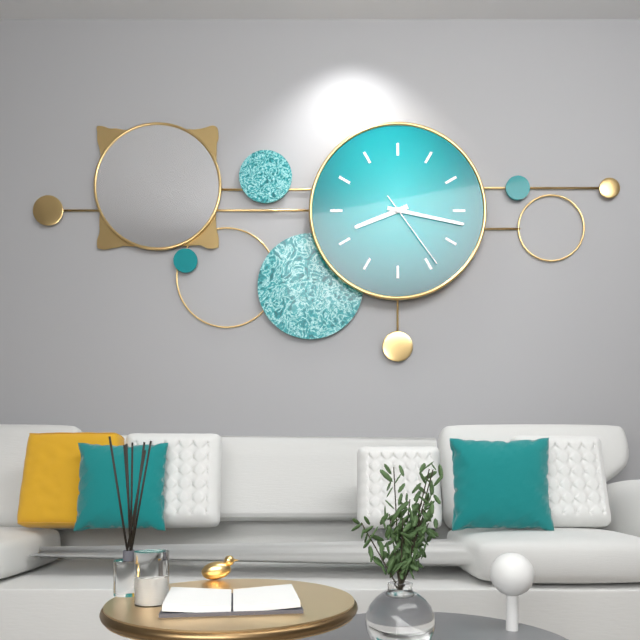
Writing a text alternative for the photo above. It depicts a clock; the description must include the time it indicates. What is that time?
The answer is 8:17:24
